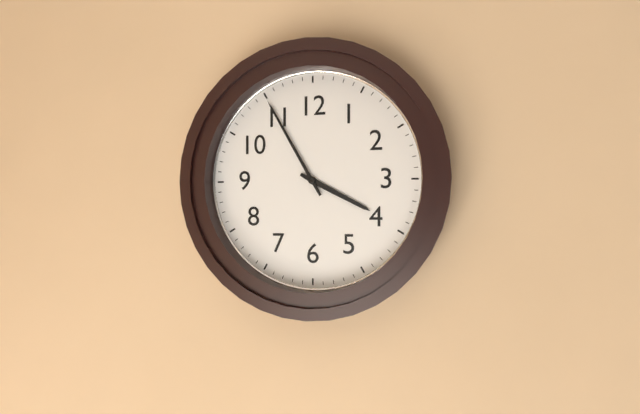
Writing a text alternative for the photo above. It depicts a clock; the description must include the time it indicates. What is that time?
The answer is 3:55
